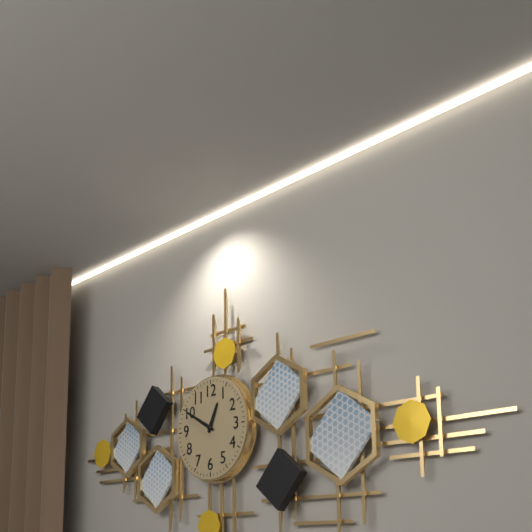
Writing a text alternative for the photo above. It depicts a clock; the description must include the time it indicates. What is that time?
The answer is 12:50
